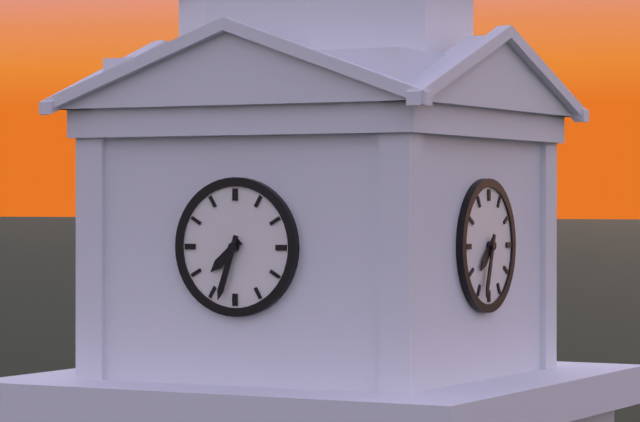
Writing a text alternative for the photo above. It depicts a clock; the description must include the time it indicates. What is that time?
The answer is 7:33
